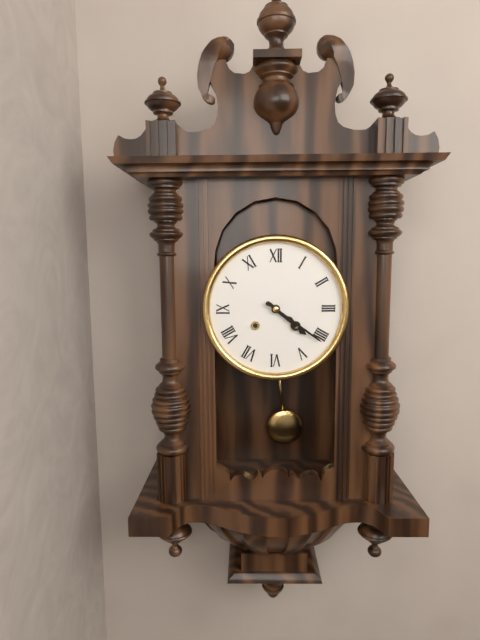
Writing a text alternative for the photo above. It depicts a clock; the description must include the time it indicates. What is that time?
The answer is 4:21
